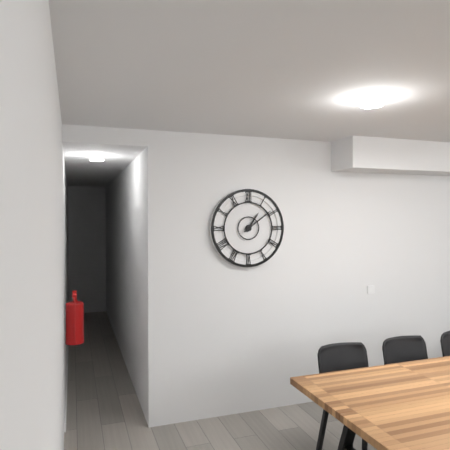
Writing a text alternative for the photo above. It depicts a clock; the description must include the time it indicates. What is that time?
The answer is 1:09
